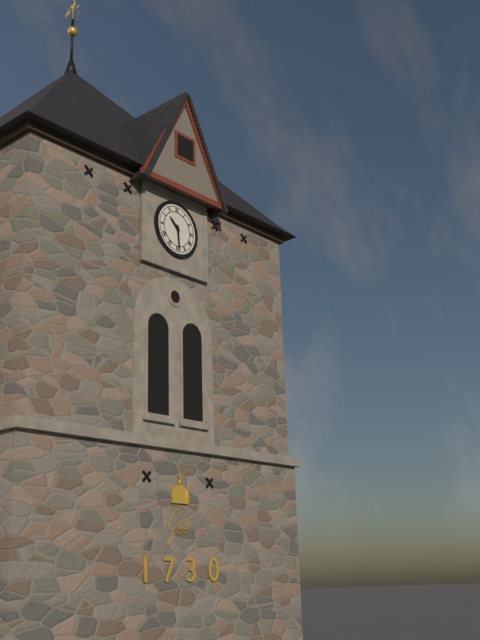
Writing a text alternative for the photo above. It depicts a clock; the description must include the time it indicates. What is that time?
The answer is 10:29
